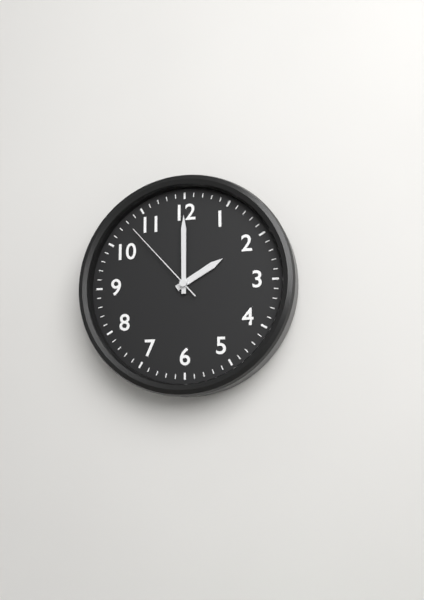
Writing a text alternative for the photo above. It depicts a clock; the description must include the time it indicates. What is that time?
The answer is 2:00:53
